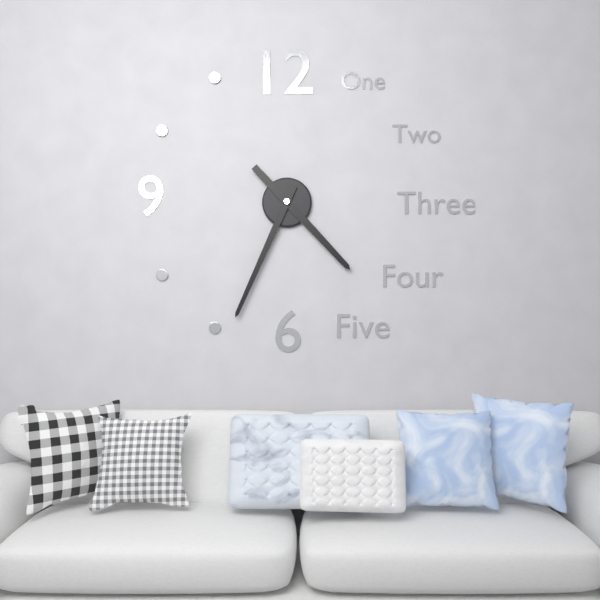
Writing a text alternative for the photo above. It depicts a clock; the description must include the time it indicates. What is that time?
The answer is 4:34
